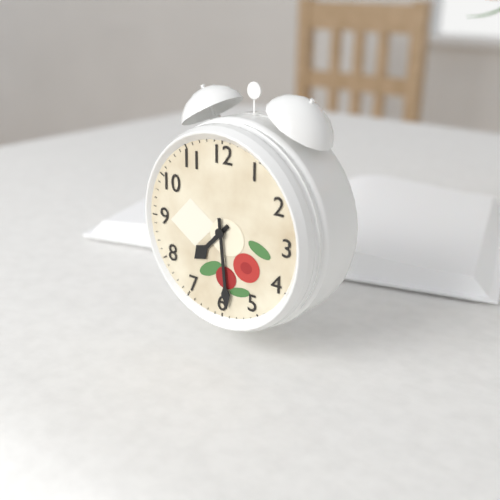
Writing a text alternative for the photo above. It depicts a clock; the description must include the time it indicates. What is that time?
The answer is 7:29
